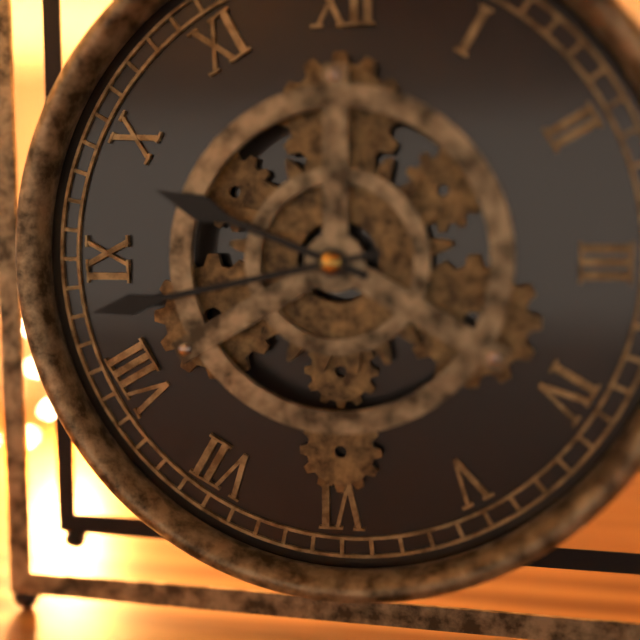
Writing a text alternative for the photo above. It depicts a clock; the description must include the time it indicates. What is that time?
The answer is 9:43
